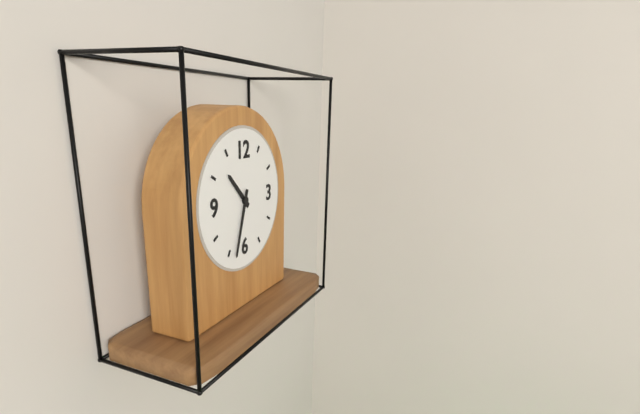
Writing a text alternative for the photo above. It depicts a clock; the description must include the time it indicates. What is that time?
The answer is 10:33
